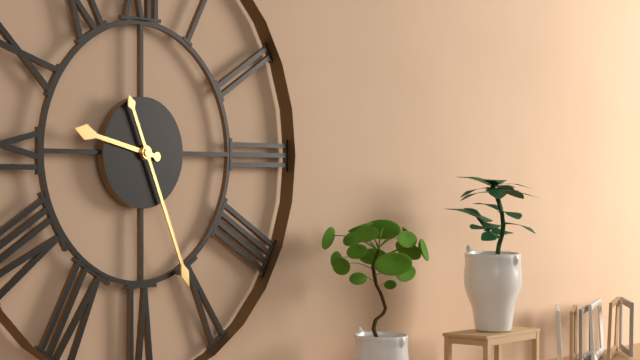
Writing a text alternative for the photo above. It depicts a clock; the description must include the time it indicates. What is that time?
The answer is 9:26
